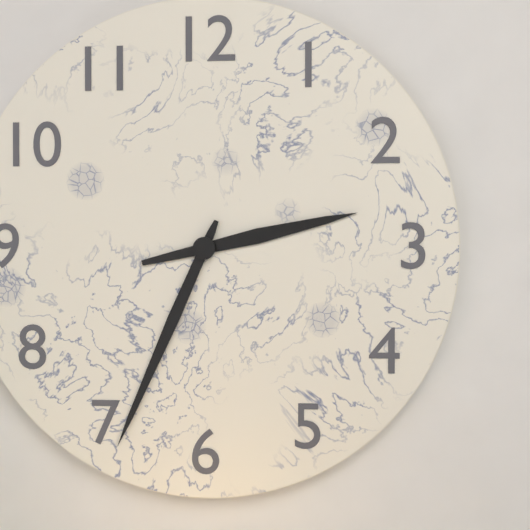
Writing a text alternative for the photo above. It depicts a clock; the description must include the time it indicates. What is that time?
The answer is 2:34
